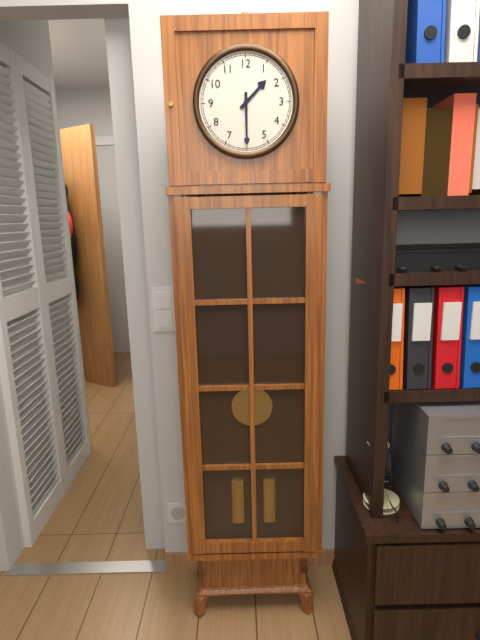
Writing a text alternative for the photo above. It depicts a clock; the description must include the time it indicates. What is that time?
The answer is 1:30
